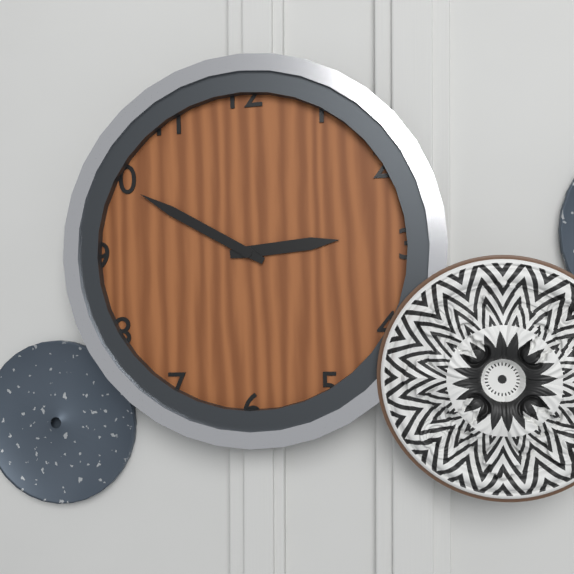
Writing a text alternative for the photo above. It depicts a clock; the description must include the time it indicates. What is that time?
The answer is 2:50
